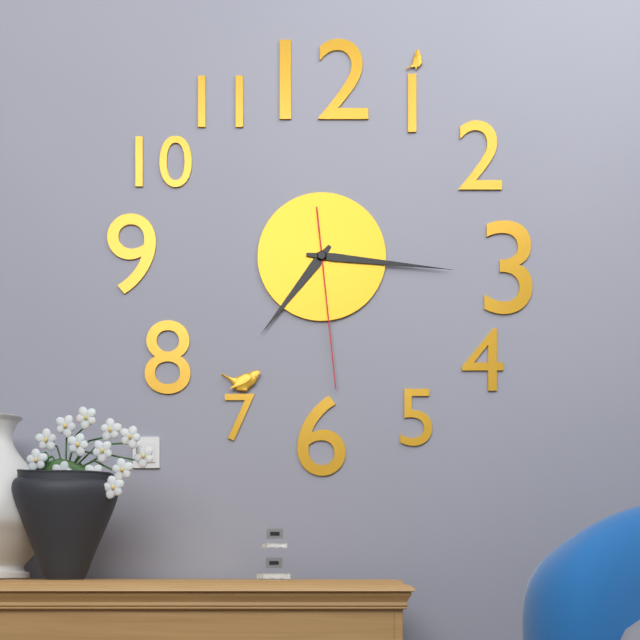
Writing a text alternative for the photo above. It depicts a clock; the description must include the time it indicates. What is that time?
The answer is 7:16:29
